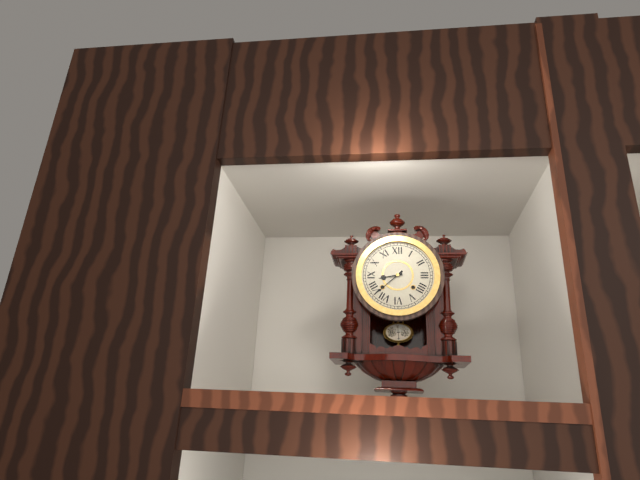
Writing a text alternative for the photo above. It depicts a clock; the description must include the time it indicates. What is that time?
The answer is 8:38
